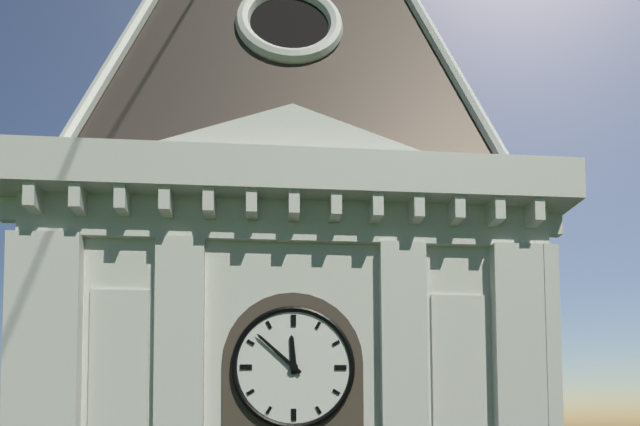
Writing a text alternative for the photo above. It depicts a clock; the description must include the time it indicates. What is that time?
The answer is 11:52
